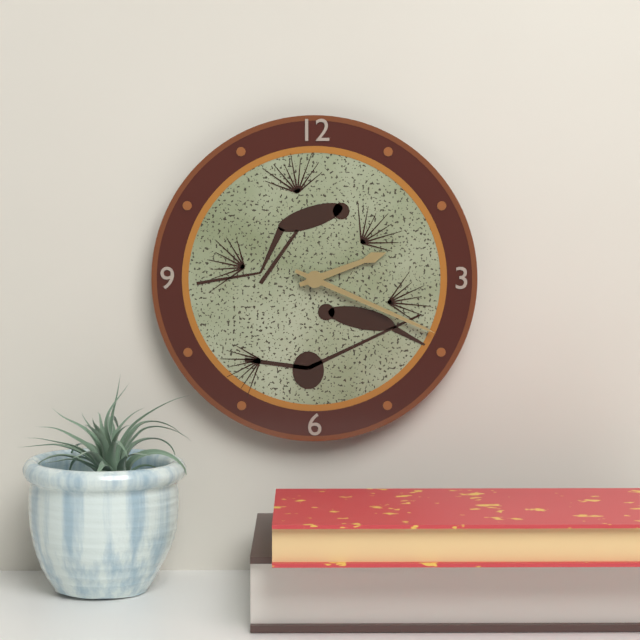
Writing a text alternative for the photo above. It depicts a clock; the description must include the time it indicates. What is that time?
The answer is 2:19
